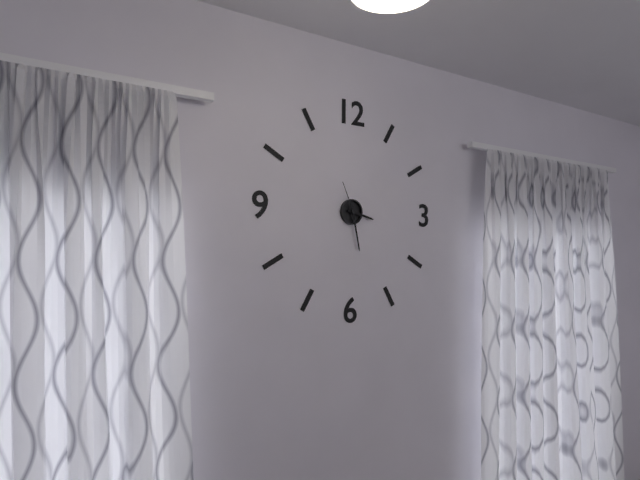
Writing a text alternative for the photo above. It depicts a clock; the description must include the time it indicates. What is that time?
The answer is 3:28
